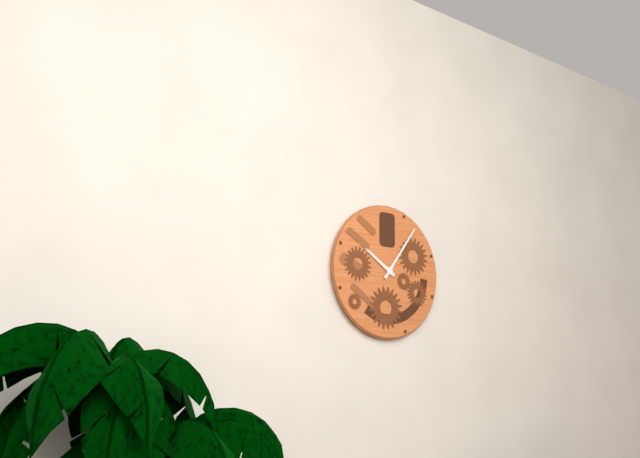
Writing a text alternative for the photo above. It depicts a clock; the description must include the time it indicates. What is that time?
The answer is 10:06
